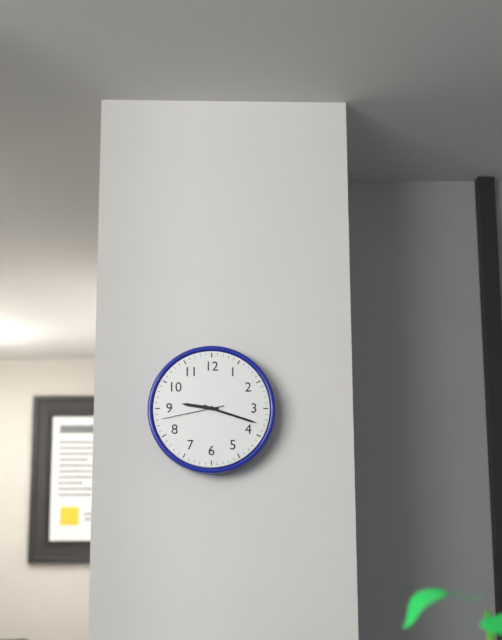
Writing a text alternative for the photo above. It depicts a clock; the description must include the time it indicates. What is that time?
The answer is 9:18:43
